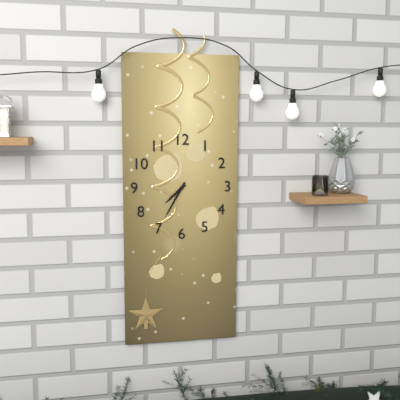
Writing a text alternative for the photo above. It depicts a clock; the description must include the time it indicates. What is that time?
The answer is 7:35
